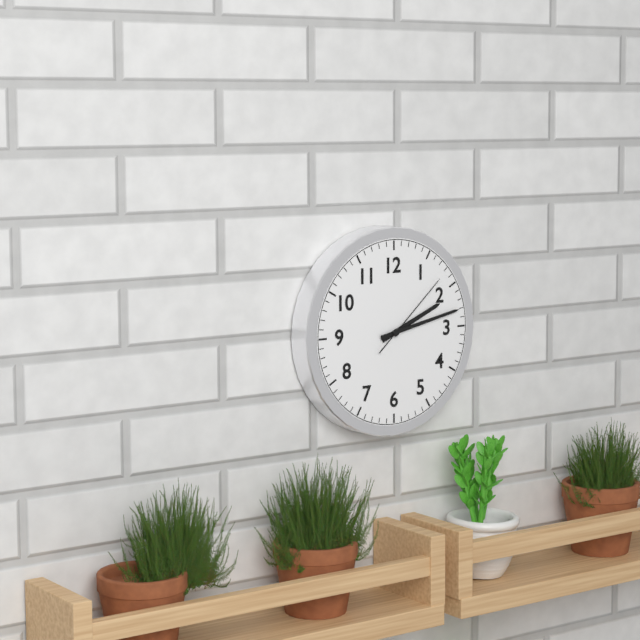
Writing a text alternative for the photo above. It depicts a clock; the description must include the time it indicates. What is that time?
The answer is 2:13:08
